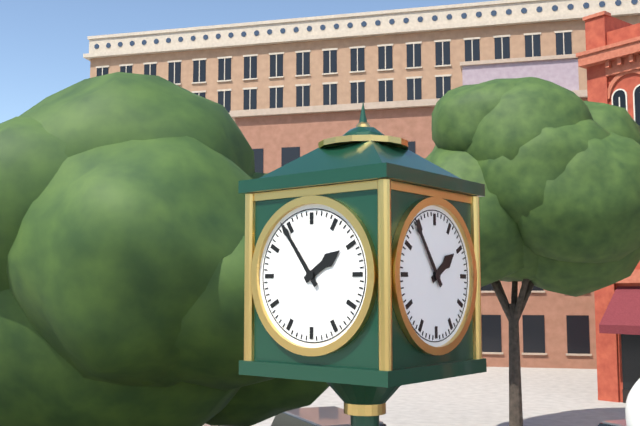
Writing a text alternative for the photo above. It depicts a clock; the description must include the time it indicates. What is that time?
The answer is 1:54
